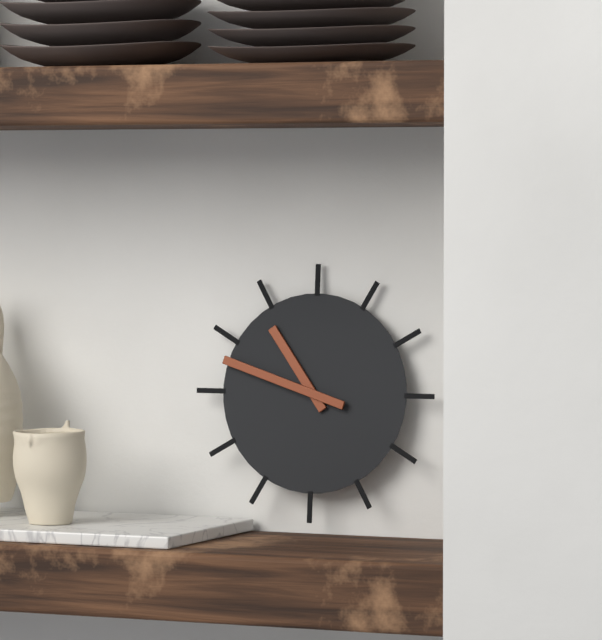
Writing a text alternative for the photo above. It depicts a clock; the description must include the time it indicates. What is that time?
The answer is 10:48
